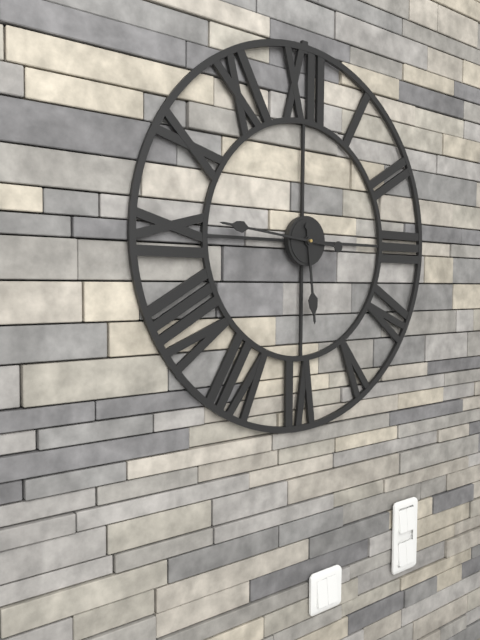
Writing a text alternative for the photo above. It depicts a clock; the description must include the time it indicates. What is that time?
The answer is 5:46
